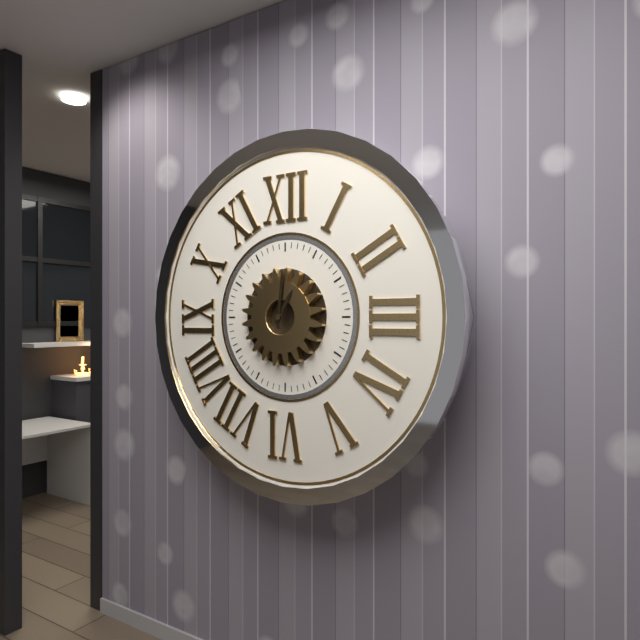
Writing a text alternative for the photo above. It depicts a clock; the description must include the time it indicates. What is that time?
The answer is 1:01
